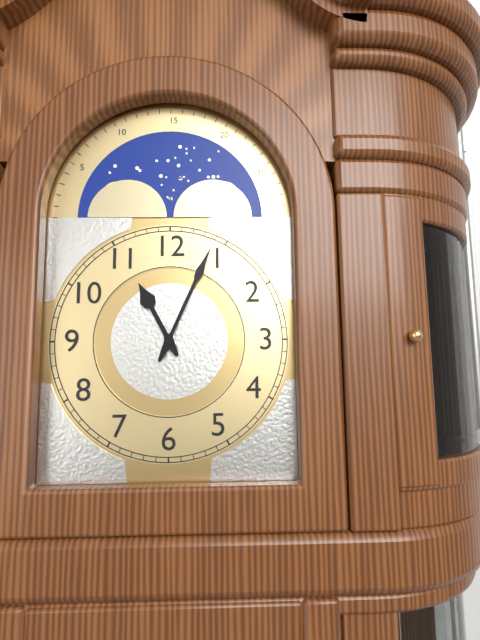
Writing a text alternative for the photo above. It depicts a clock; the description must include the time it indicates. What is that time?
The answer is 11:04
